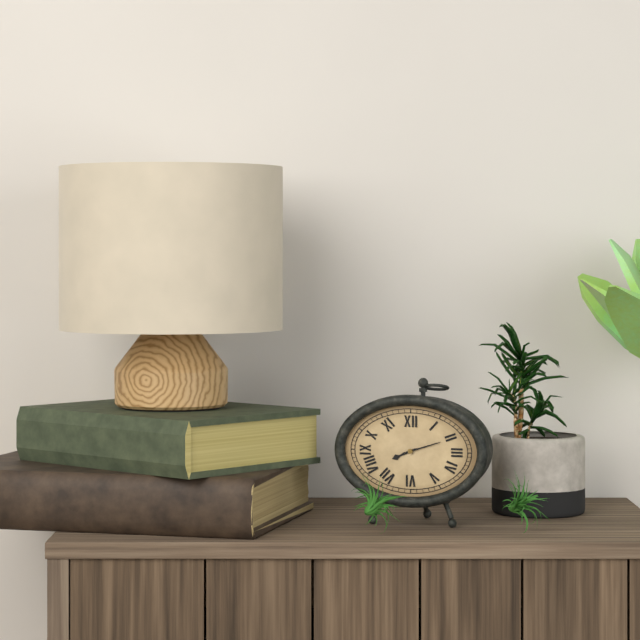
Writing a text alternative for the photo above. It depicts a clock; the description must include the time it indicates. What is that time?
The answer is 8:12
